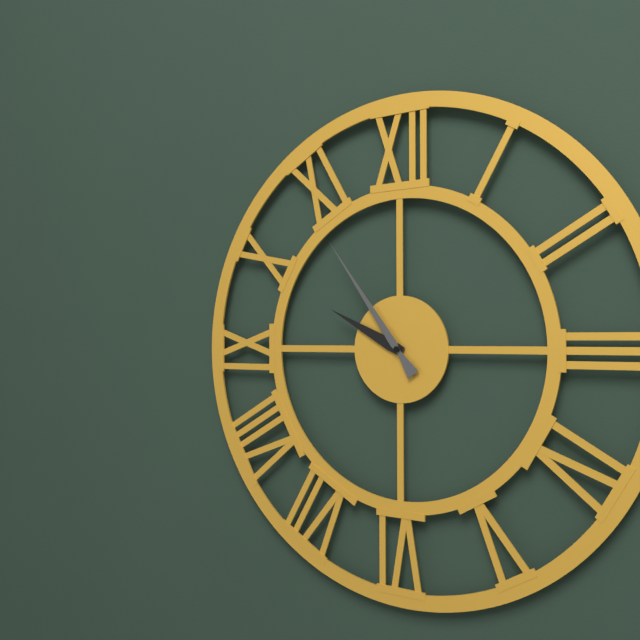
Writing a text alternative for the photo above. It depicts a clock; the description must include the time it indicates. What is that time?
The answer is 9:54
